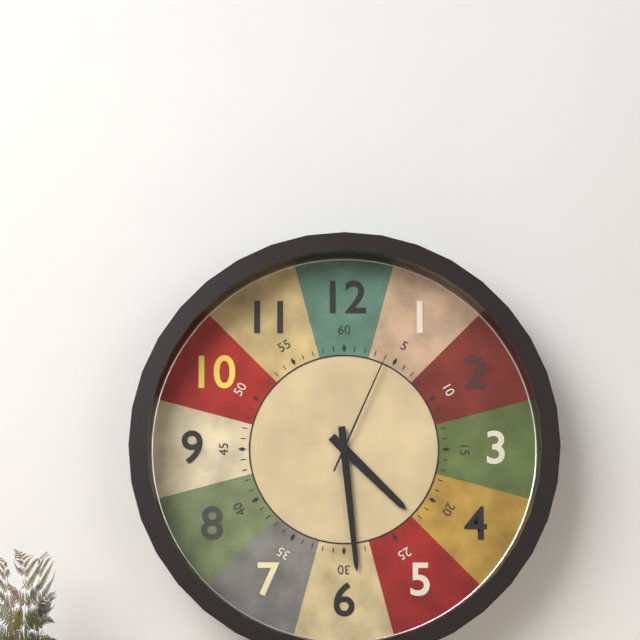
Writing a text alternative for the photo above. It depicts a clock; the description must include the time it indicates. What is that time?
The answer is 4:29:04
